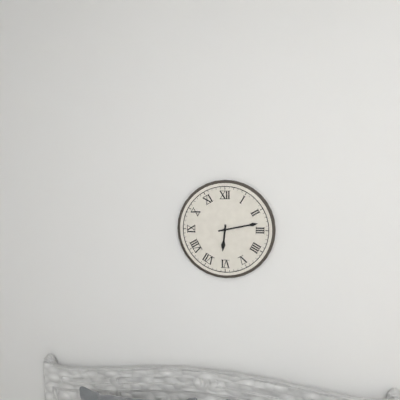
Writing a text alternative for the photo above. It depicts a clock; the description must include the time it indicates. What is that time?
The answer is 6:13
